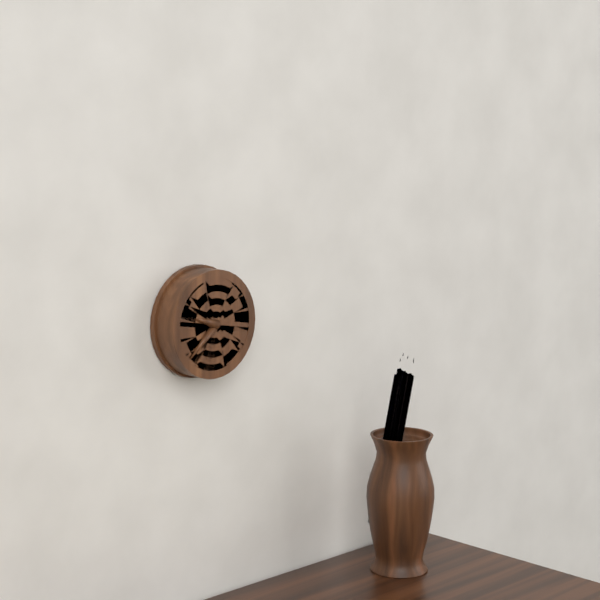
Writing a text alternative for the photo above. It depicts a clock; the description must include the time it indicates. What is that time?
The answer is 9:38
